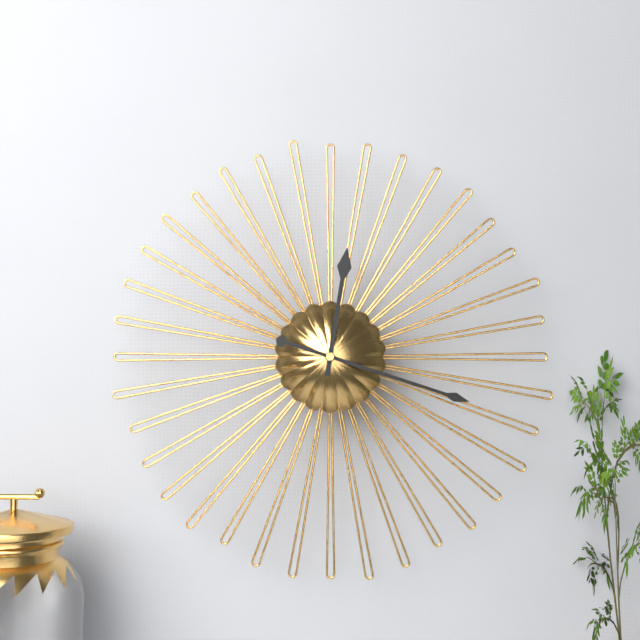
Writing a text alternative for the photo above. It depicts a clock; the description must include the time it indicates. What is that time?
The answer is 12:18
